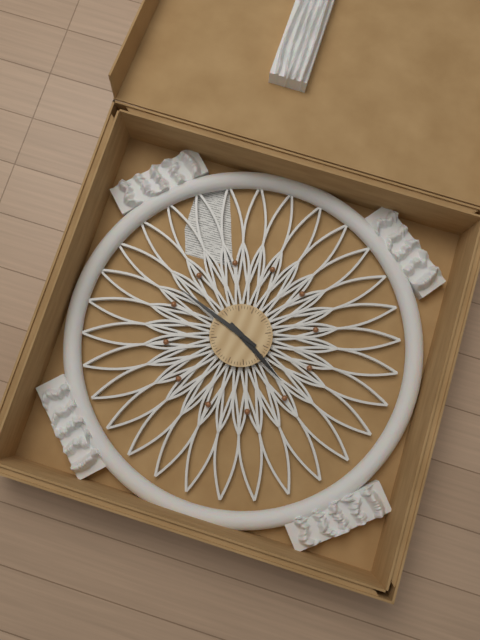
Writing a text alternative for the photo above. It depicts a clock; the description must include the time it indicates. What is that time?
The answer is 3:47
